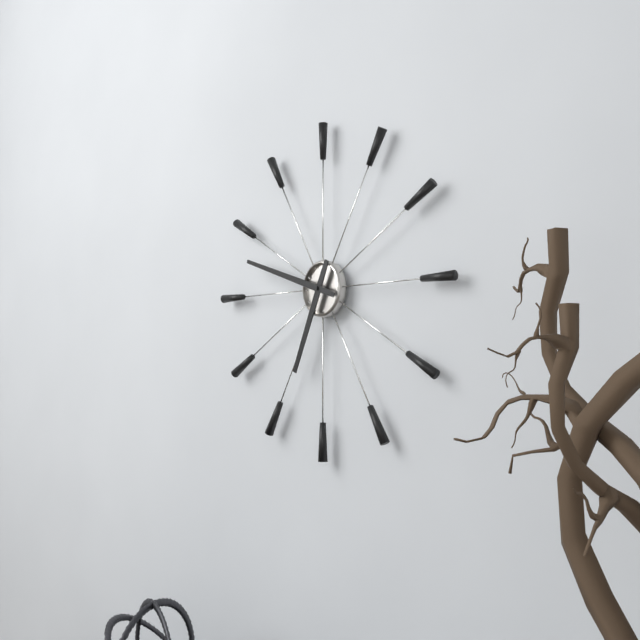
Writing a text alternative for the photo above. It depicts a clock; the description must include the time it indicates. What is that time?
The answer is 6:48
